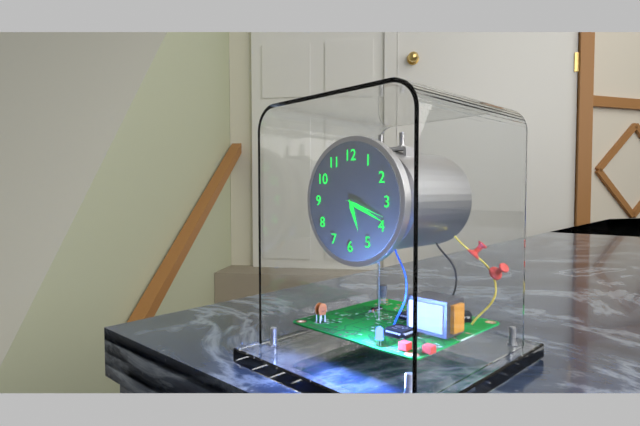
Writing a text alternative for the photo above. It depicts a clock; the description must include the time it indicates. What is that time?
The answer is 5:19
